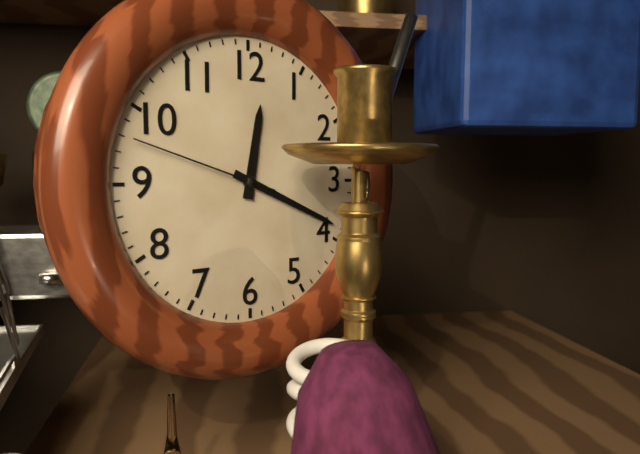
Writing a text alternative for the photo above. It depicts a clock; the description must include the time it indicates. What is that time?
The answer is 12:19:48
